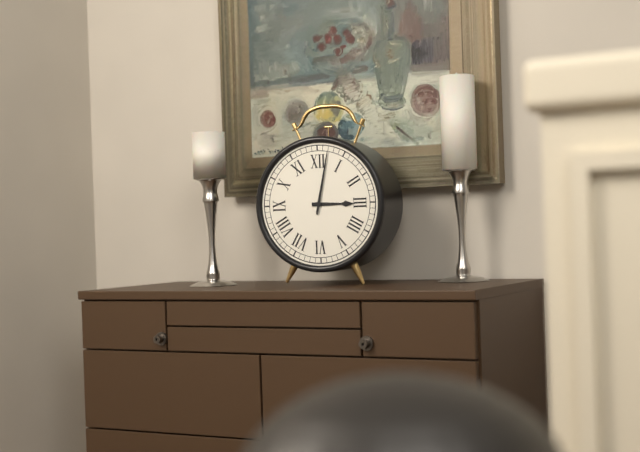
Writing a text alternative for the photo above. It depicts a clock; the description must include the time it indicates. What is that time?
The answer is 3:02
